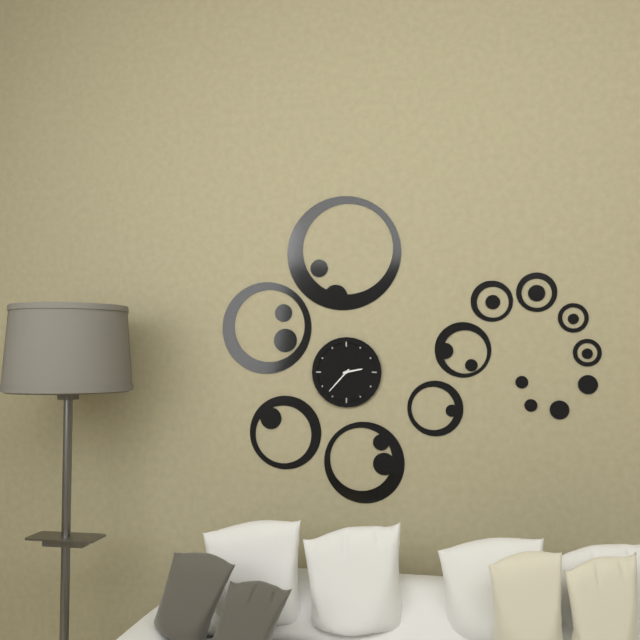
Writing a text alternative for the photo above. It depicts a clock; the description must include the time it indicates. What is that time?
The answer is 2:37
